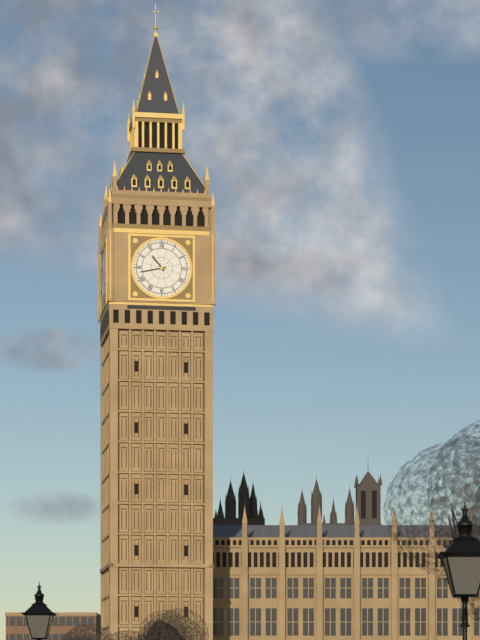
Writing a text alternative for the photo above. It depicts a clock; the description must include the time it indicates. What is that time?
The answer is 10:43
